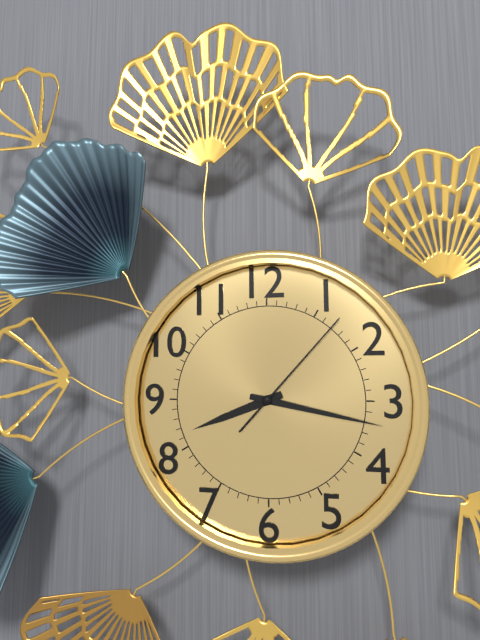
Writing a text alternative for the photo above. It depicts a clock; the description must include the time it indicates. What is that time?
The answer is 8:17:07
